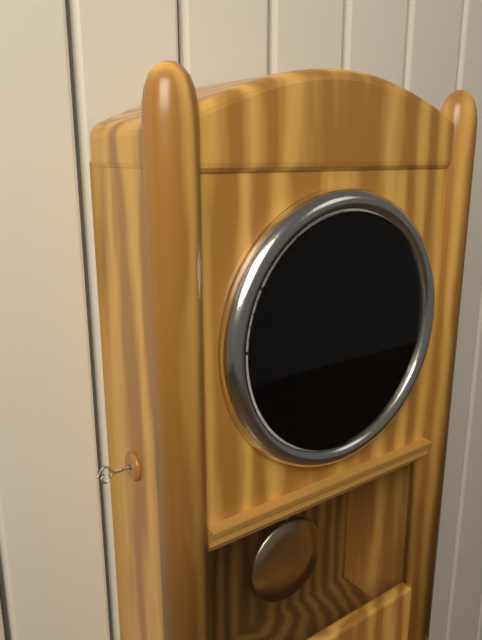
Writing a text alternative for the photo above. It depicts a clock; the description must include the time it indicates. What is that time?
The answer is 2:26
